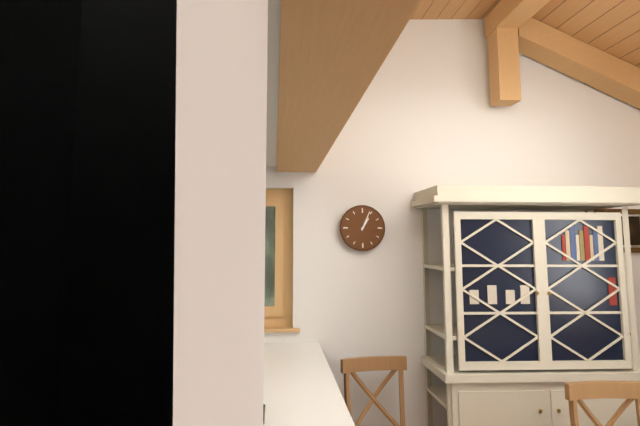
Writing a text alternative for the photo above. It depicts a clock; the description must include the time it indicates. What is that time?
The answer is 1:04
